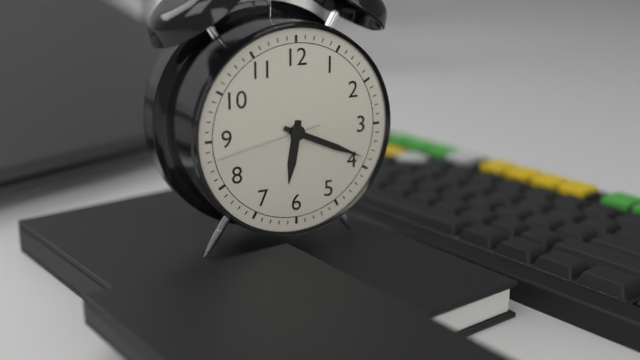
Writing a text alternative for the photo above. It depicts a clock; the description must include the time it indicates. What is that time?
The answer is 6:19:43
